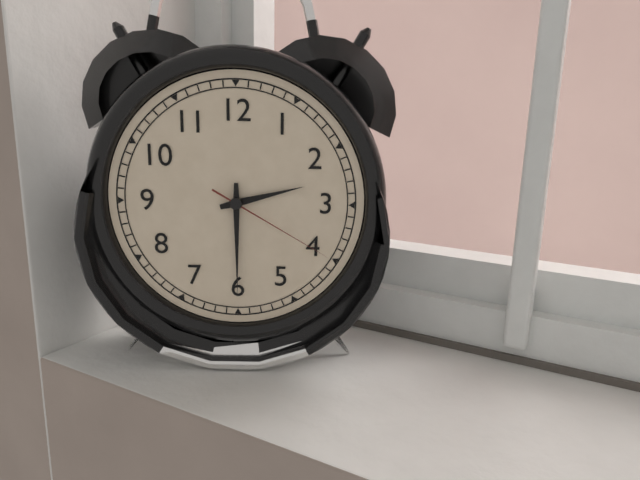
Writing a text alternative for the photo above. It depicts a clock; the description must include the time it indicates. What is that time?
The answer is 2:30:20
